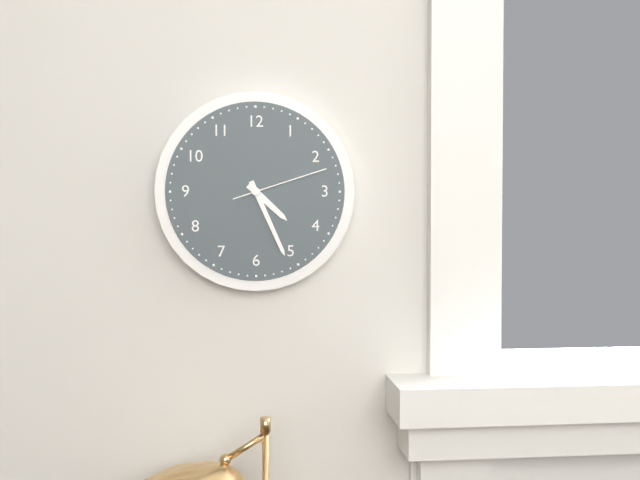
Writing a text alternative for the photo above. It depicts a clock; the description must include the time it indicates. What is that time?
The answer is 4:26:12
